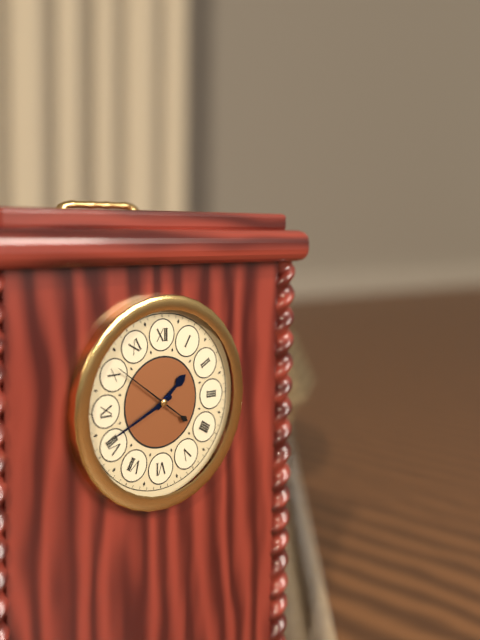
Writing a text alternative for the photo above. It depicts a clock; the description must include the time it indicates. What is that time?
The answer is 1:41:51
